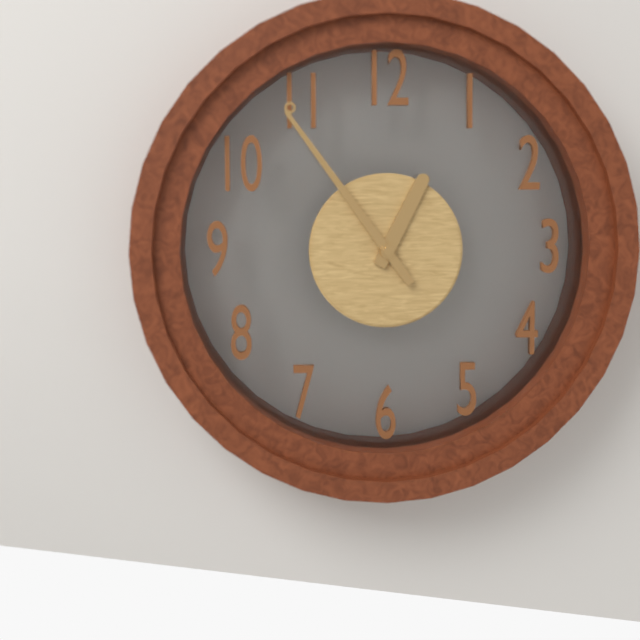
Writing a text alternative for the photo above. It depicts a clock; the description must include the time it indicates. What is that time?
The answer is 12:54
